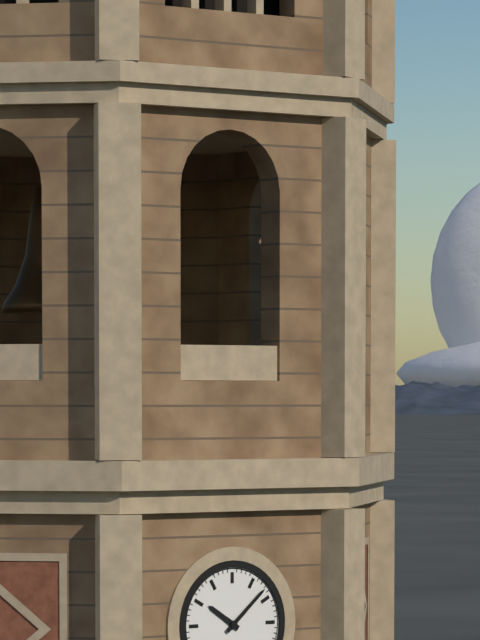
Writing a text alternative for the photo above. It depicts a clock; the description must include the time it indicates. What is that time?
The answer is 10:08
